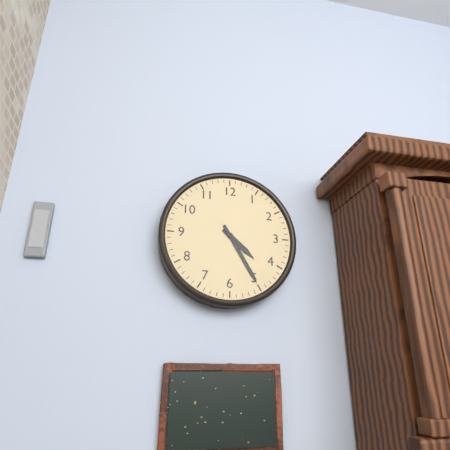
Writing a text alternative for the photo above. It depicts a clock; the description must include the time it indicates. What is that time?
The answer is 4:25
